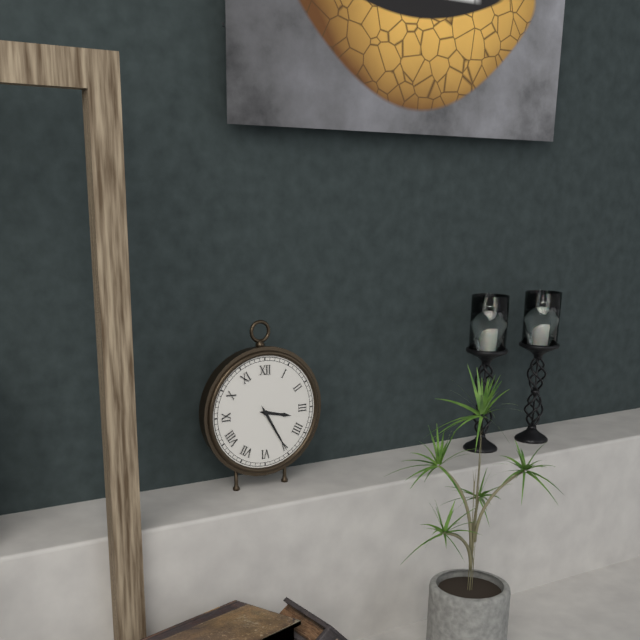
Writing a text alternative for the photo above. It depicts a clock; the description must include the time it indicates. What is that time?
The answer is 3:25
